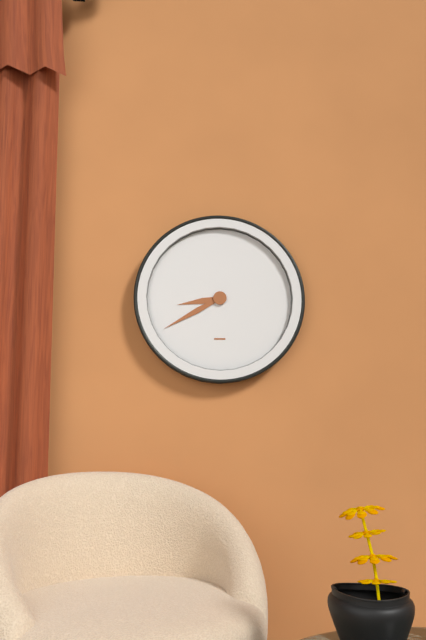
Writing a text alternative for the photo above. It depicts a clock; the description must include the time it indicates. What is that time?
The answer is 8:40
